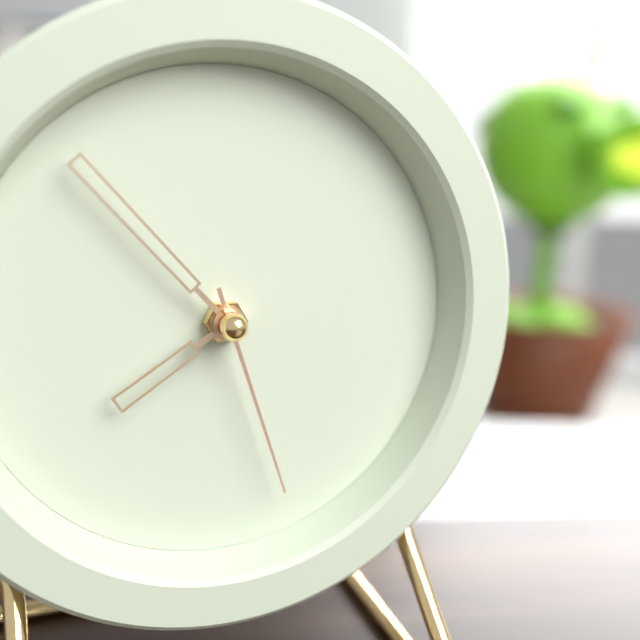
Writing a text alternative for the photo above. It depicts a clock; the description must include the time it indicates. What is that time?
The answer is 7:53:27
